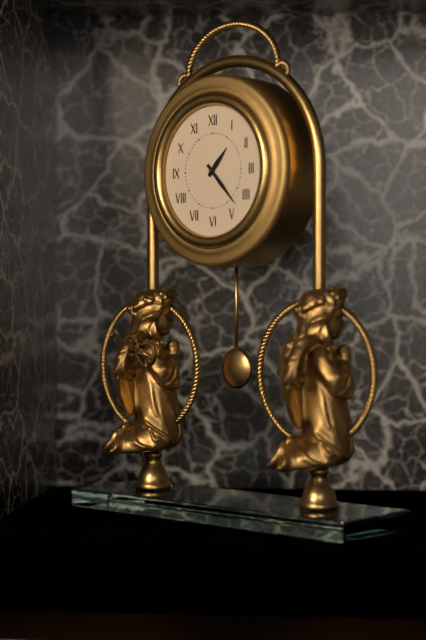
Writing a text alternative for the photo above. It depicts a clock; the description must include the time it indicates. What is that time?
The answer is 1:23
